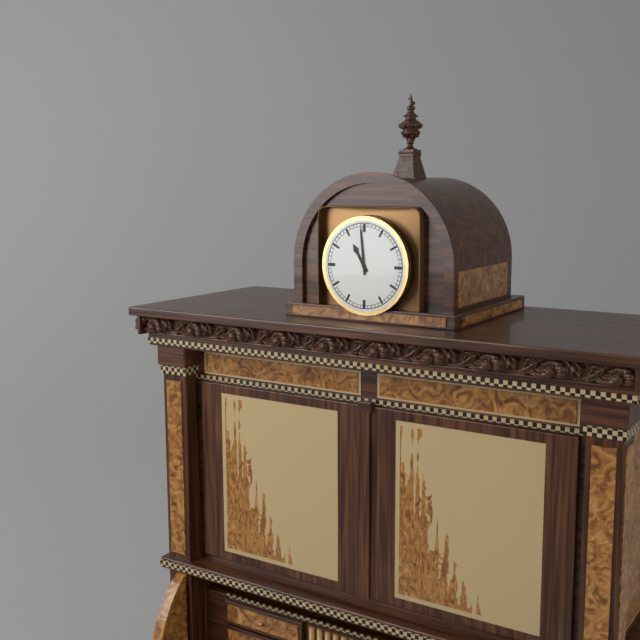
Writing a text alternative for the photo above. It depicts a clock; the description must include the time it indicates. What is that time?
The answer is 10:59
